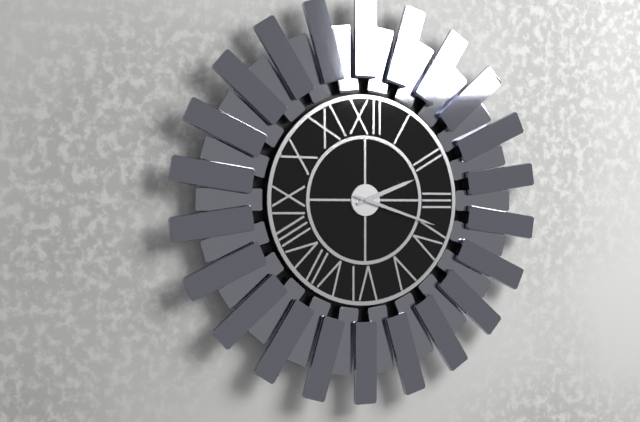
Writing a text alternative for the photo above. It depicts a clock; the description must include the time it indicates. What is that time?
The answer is 2:18
